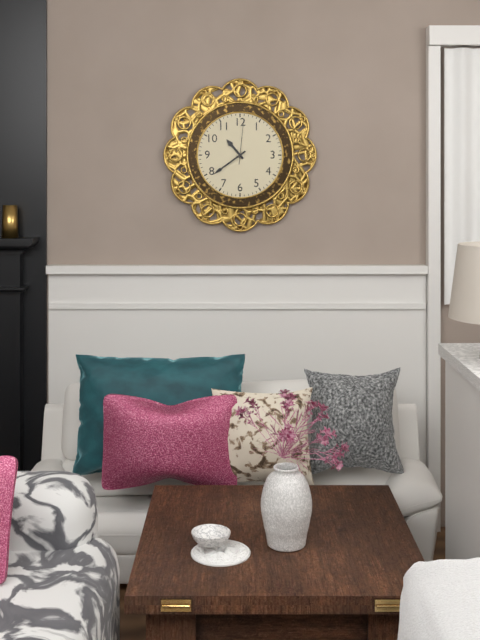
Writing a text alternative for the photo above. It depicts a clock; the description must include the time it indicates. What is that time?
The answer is 10:39
